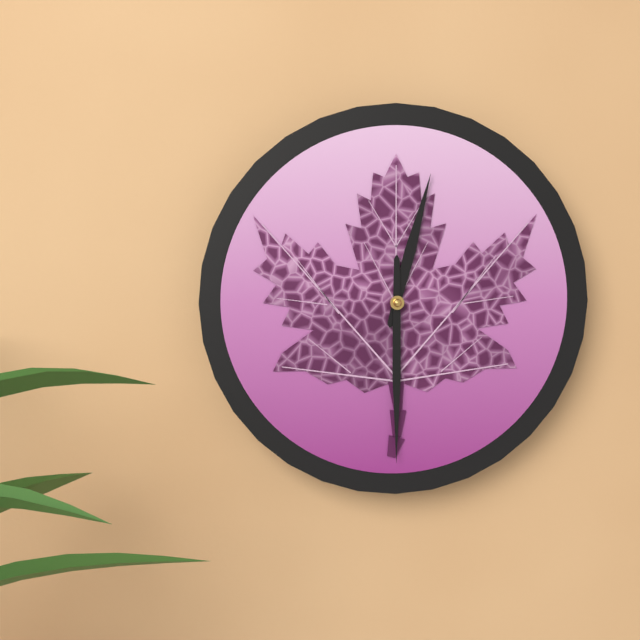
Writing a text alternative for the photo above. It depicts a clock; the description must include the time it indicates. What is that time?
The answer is 12:30
